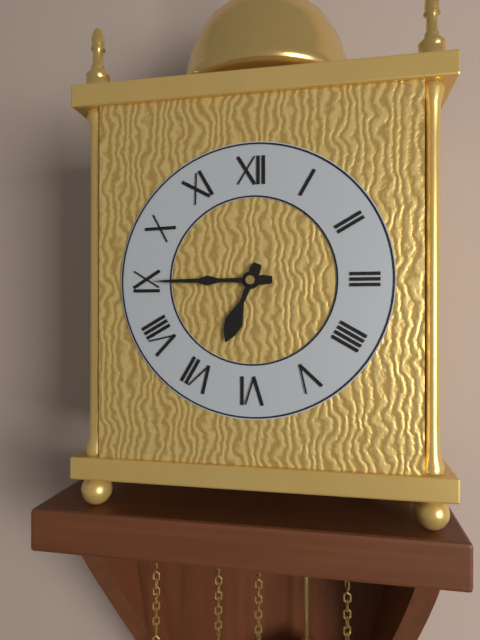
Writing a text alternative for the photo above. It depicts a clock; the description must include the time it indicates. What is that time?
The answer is 6:45
